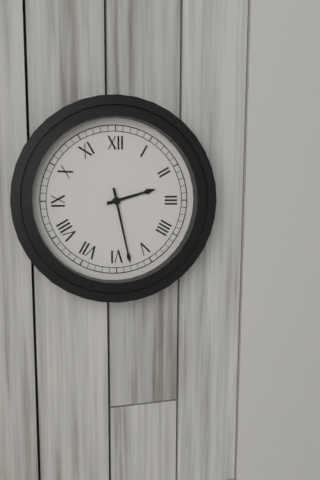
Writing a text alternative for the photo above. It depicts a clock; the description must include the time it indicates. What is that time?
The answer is 2:28
